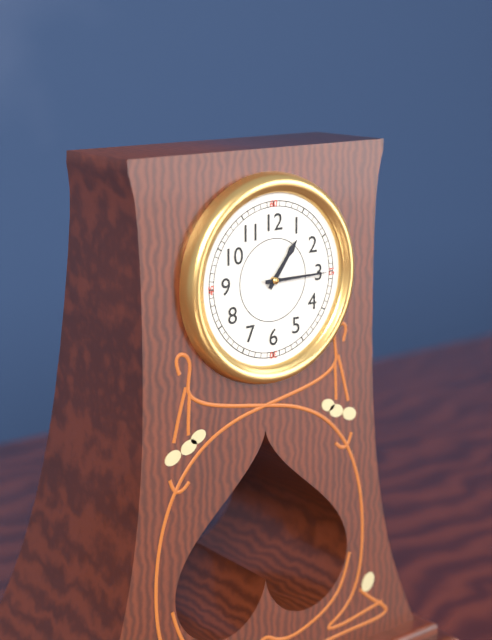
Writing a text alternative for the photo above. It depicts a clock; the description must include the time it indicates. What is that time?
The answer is 1:15
